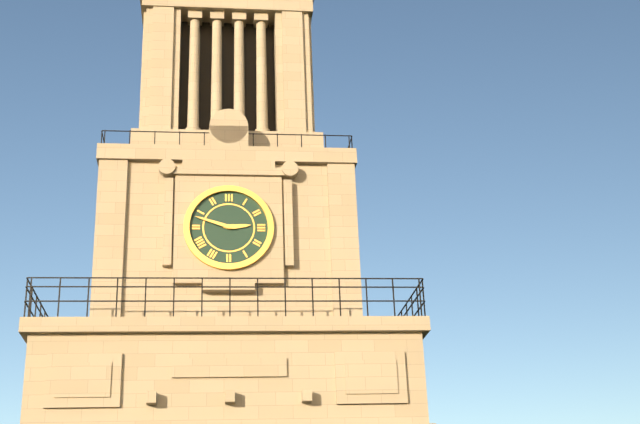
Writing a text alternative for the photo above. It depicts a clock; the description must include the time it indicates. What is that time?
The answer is 2:48
